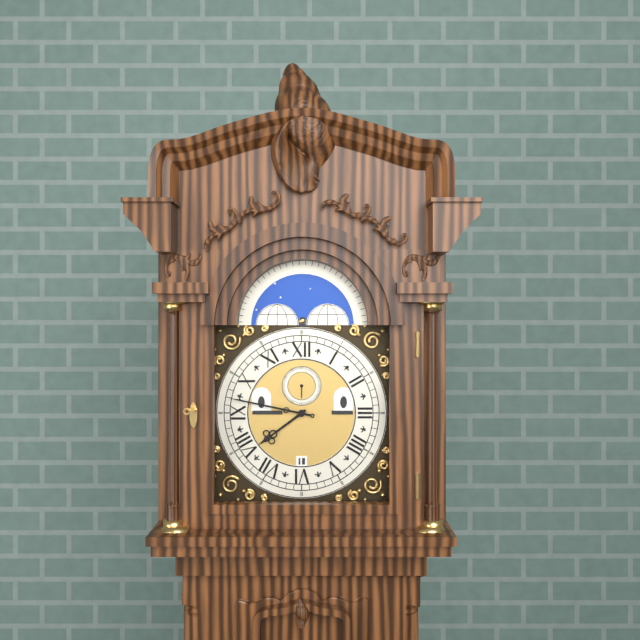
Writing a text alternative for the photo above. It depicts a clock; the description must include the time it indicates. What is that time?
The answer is 7:47
